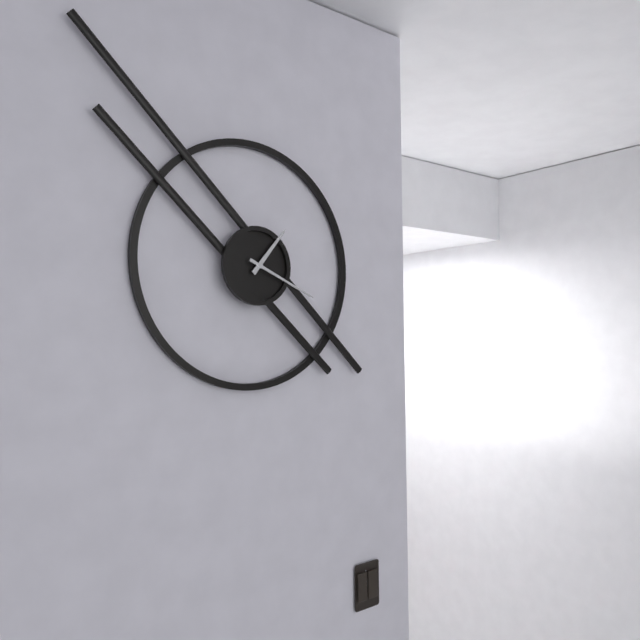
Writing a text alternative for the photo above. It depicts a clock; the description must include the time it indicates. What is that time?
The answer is 1:19
